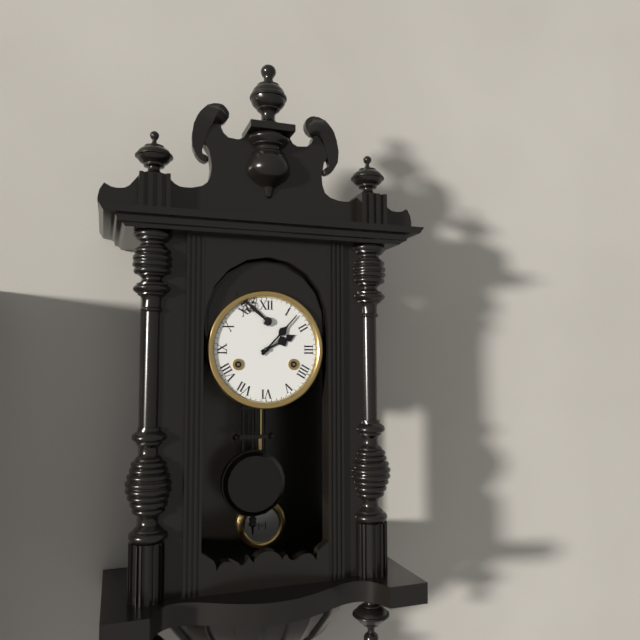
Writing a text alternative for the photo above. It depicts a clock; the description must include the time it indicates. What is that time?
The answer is 2:07
